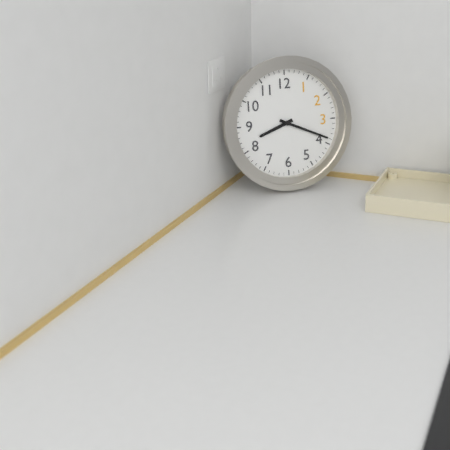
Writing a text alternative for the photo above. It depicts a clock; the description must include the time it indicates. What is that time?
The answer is 8:19
